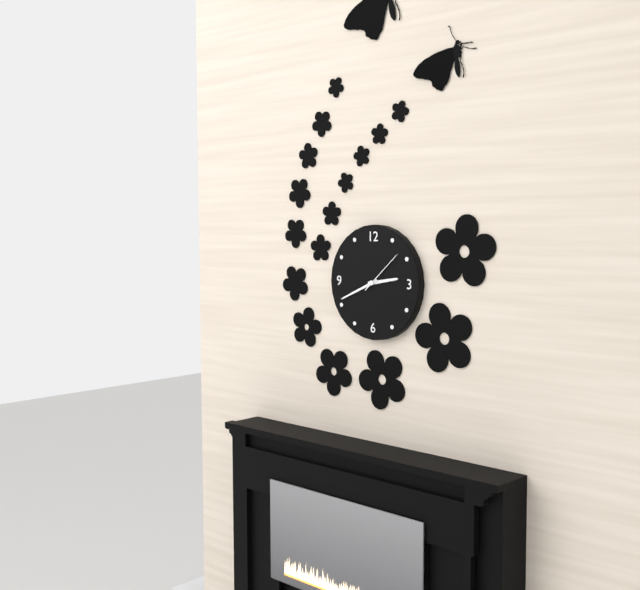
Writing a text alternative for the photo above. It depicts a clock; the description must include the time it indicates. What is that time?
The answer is 2:41
